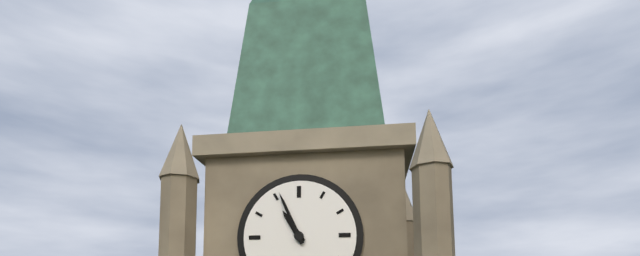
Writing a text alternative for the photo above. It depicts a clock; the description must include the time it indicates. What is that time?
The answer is 10:56
